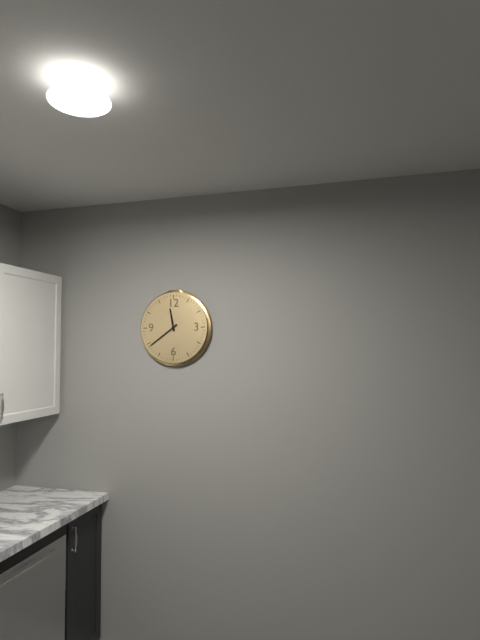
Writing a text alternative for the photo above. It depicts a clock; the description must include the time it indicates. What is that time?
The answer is 11:39
